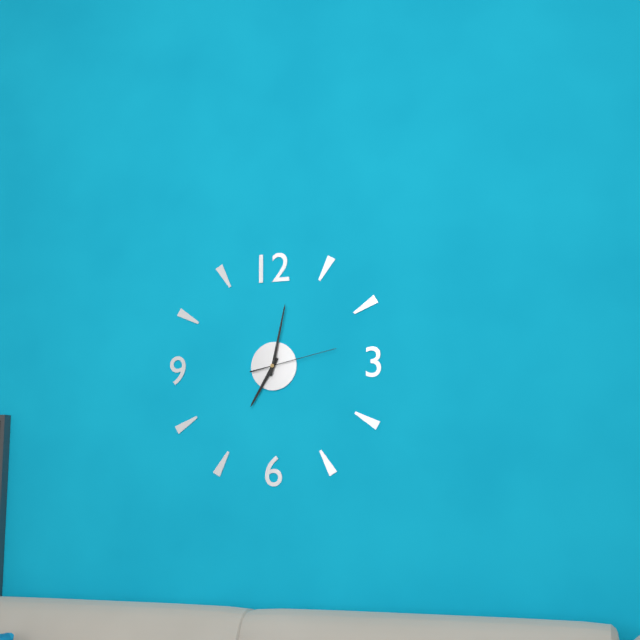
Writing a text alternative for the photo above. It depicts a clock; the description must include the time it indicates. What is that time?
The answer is 7:02:13
